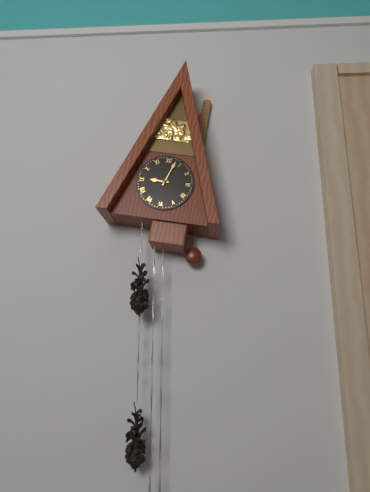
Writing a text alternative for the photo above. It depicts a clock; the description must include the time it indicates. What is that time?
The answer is 9:03
